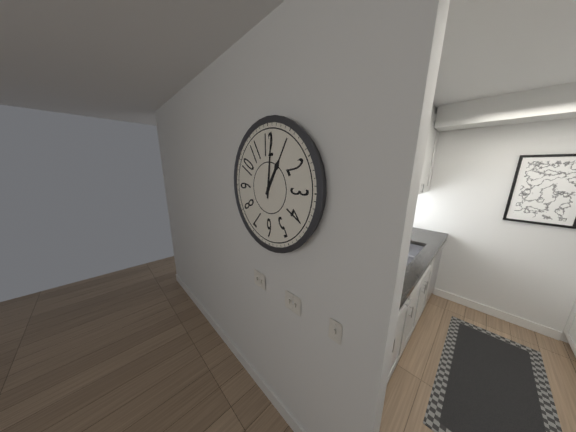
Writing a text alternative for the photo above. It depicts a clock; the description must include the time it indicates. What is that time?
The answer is 1:01
